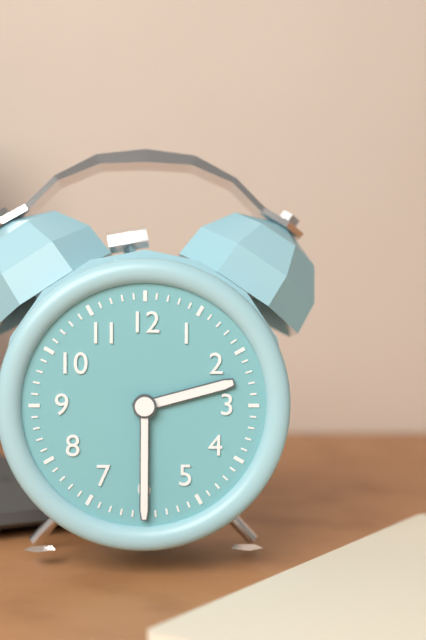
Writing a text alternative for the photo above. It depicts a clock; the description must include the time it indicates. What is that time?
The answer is 2:30
